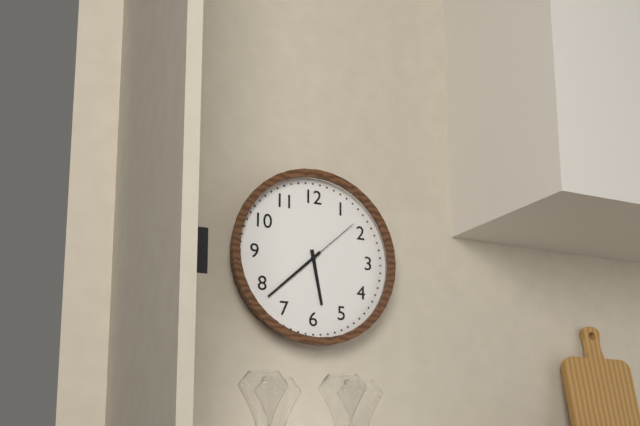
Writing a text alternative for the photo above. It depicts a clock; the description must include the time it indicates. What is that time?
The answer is 5:38:08
